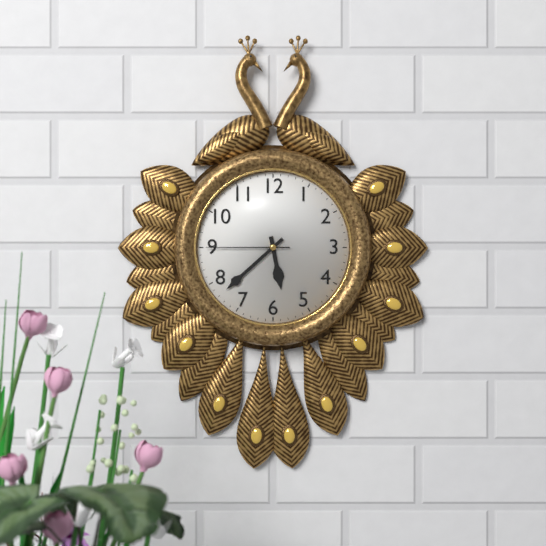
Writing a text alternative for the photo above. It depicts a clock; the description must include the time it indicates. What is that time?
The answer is 5:38:45
